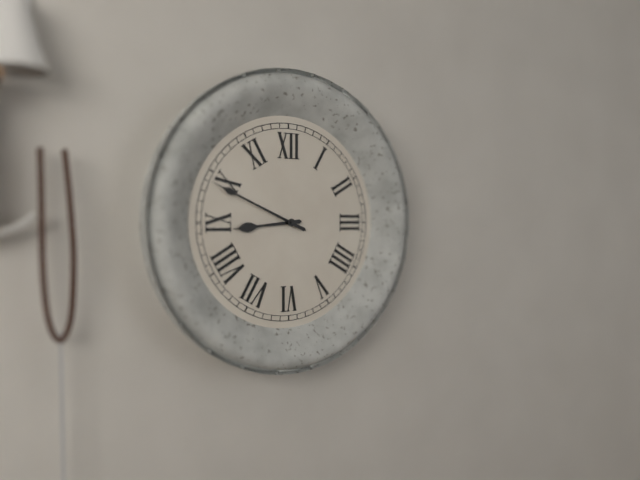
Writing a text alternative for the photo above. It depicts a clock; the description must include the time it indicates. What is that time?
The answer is 8:49
